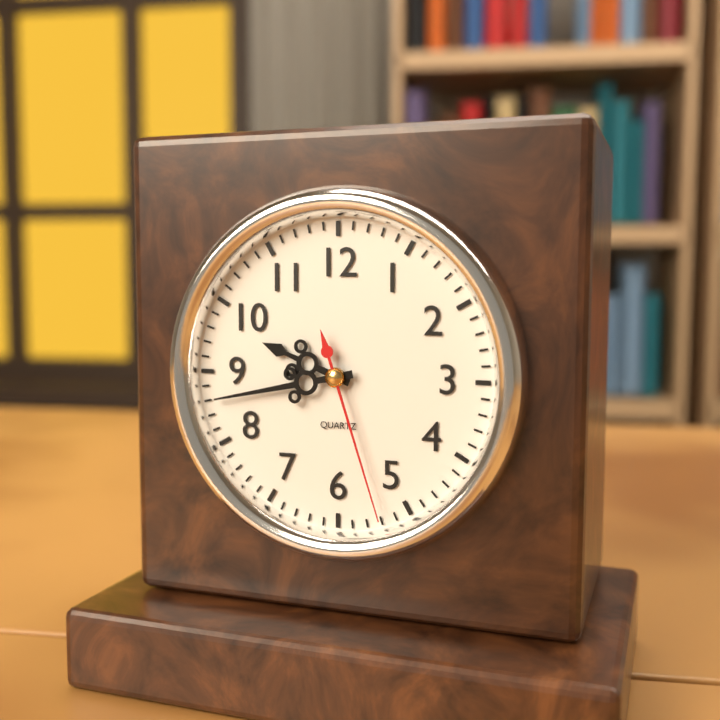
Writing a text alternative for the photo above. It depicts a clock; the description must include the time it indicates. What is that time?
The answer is 9:43:27
